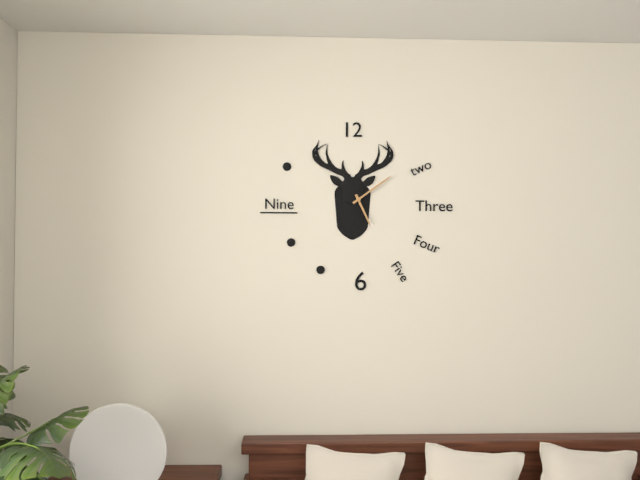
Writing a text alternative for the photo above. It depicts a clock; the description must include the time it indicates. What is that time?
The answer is 5:09
